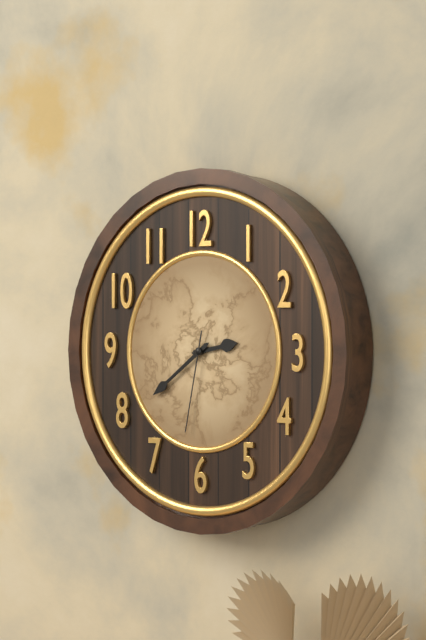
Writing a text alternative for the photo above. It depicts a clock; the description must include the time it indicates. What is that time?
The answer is 2:39:32
